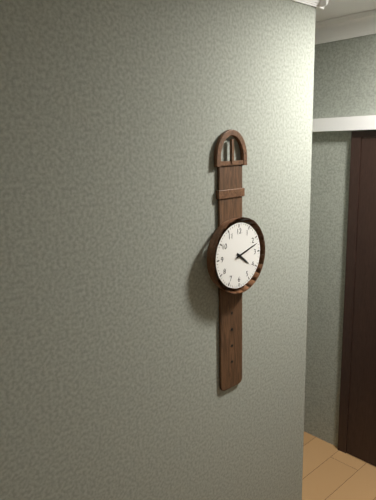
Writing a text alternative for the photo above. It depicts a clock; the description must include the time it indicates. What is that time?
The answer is 4:12
